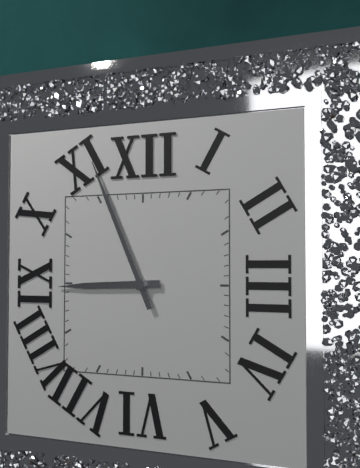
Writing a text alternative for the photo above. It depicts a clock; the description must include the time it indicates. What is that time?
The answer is 8:56
